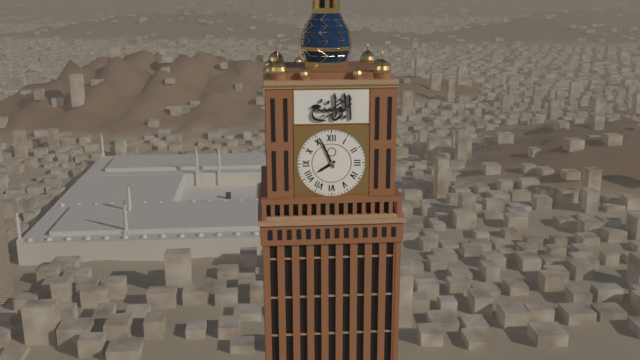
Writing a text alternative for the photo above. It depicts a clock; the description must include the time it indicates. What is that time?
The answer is 7:56
